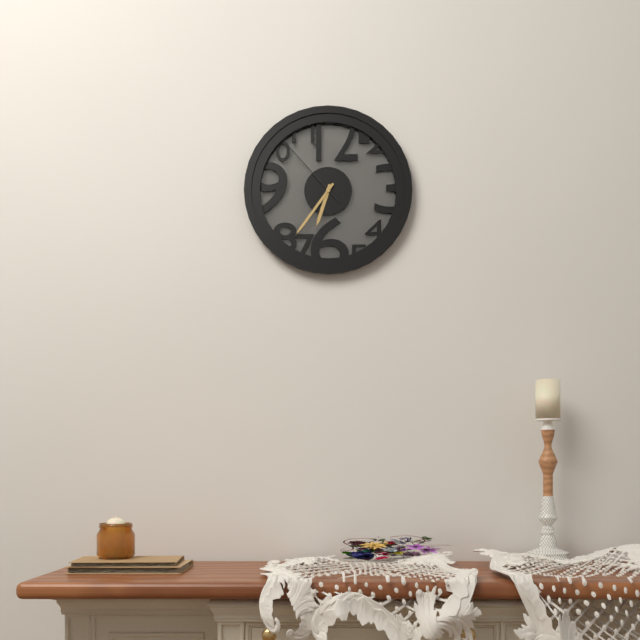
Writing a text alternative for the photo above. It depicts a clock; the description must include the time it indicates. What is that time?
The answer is 6:36:53
